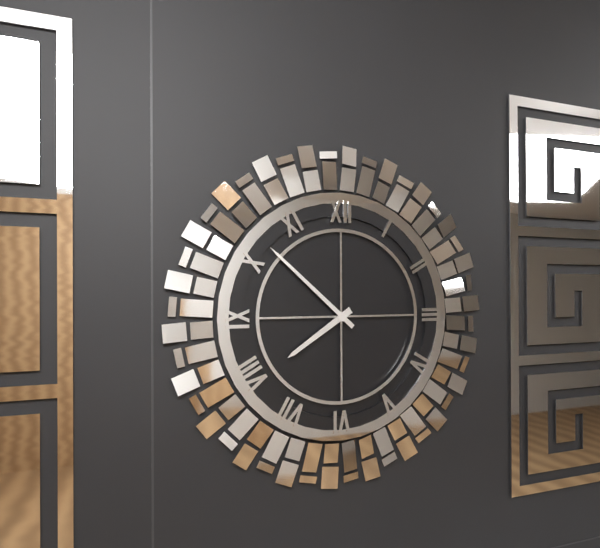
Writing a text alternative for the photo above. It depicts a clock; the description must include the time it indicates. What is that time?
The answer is 7:52
